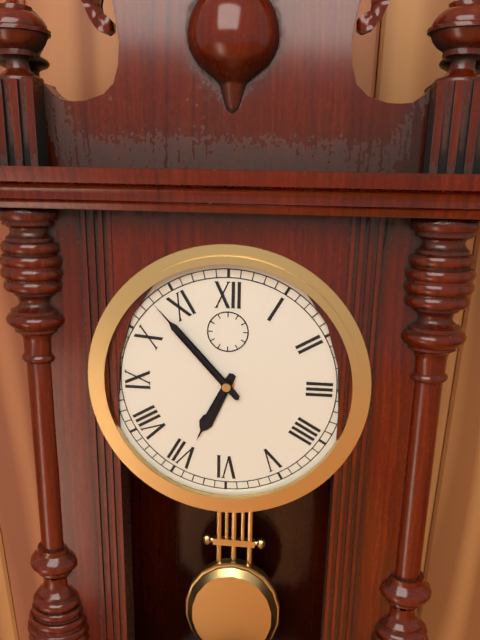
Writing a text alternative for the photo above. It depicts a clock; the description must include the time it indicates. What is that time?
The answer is 6:53
